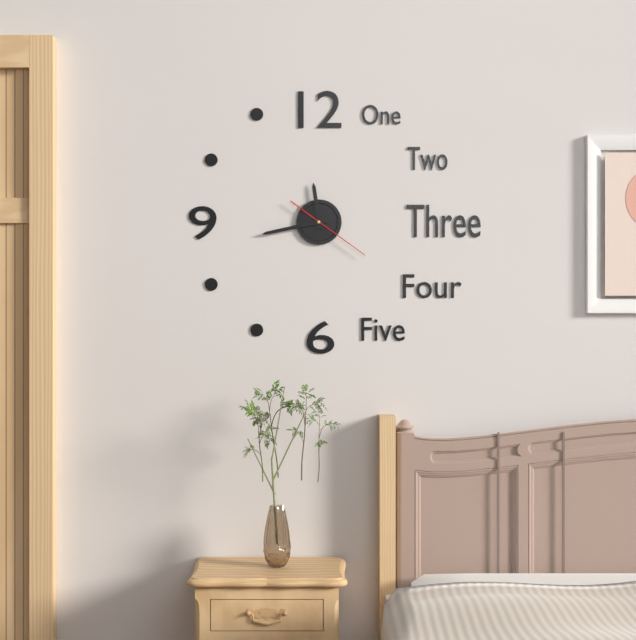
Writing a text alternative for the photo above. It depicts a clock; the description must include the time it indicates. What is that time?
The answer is 11:43:21
